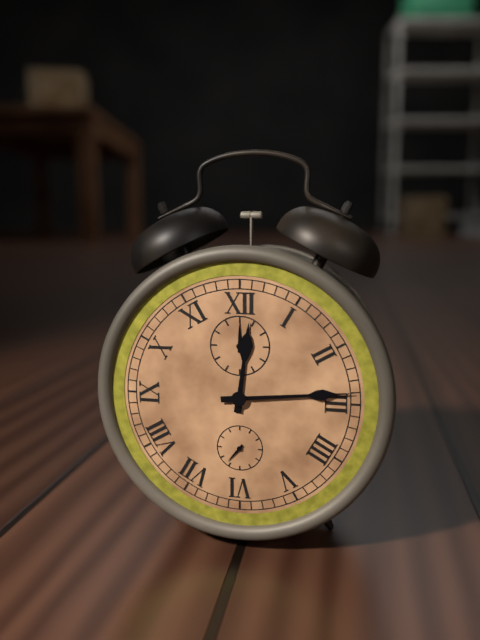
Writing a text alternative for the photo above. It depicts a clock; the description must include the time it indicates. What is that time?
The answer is 12:14
